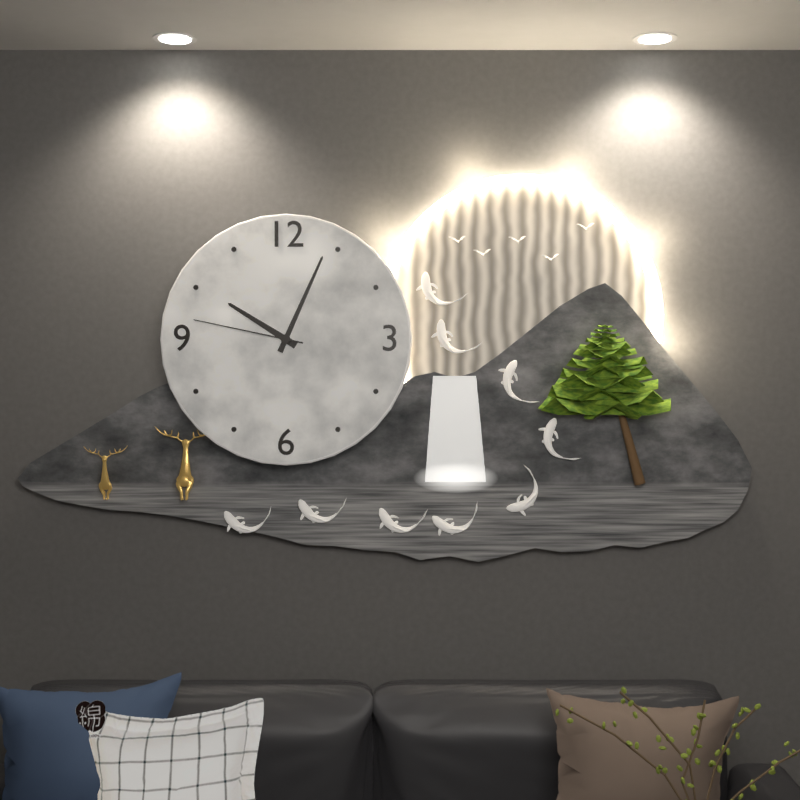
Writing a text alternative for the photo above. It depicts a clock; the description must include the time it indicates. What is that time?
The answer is 10:04:47
